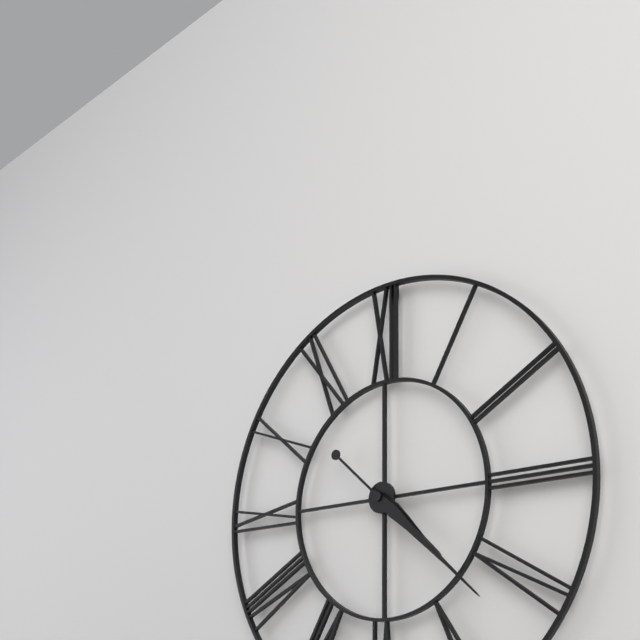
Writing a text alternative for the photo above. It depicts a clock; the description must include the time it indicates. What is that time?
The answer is 4:22
